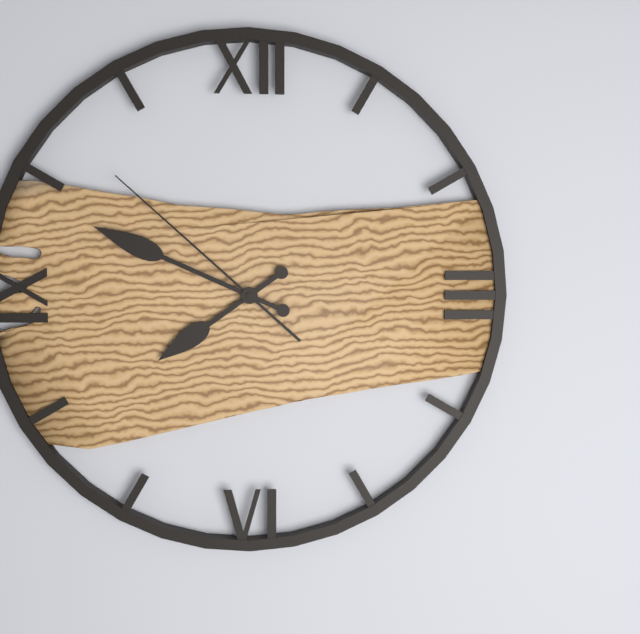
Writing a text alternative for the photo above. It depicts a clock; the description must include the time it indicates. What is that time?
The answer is 7:49:52
